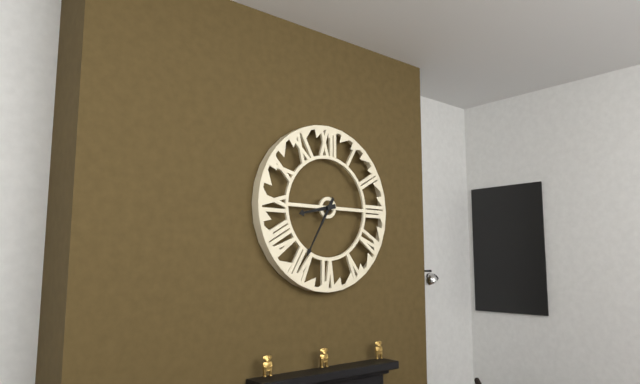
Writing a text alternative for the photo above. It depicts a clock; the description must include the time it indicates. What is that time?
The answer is 8:35
